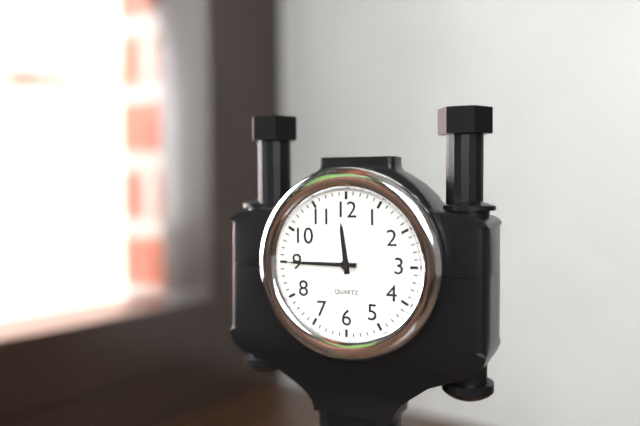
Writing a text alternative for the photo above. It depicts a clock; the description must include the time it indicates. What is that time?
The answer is 11:45
